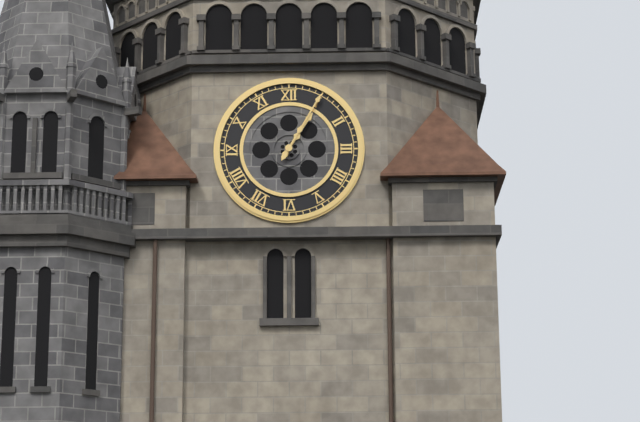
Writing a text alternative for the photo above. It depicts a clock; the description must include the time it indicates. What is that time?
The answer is 1:05
